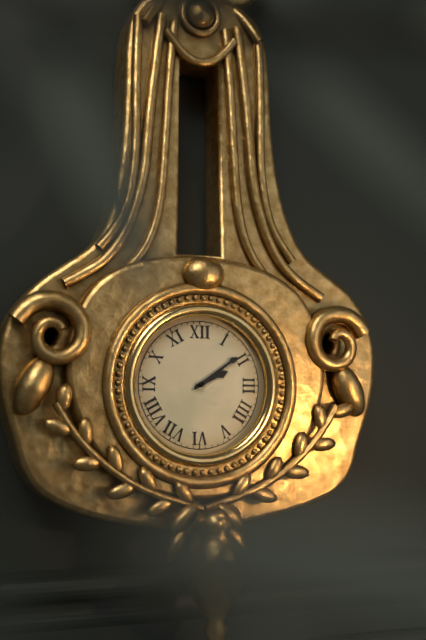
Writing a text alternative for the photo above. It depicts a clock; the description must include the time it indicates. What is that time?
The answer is 2:09
